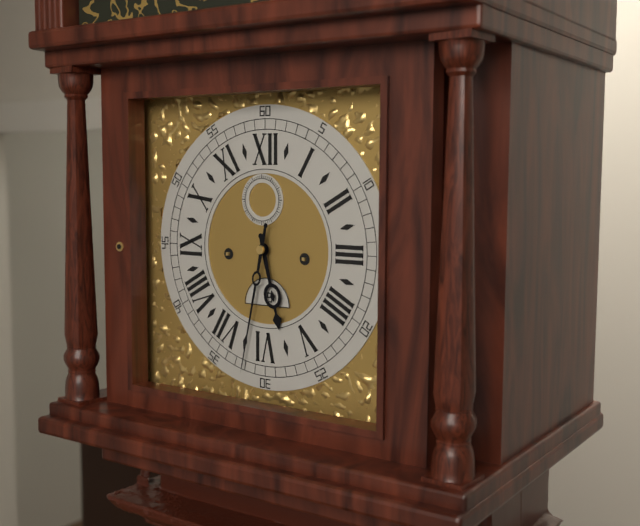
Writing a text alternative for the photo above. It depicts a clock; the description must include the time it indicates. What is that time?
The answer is 5:32
